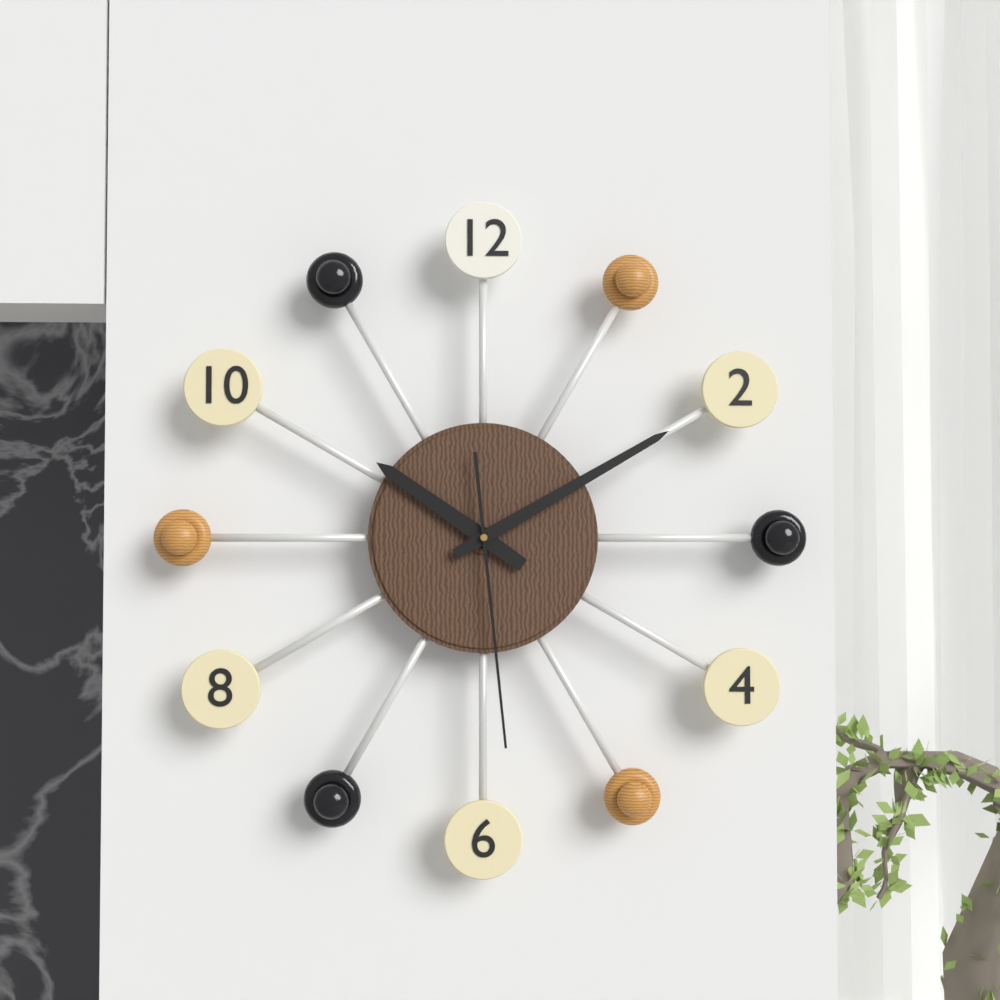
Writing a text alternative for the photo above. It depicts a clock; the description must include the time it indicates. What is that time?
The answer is 10:10:29
